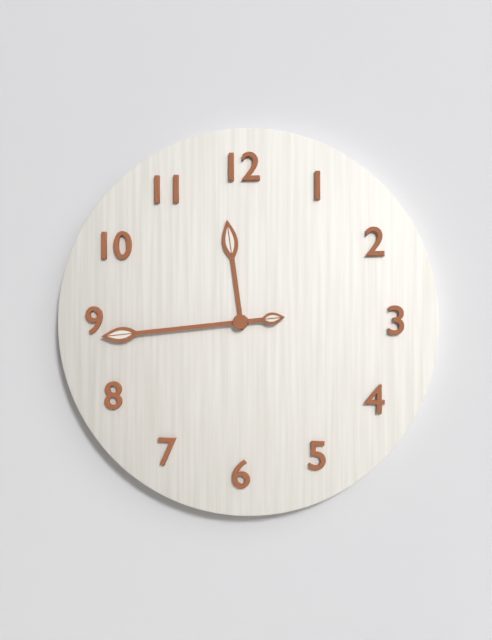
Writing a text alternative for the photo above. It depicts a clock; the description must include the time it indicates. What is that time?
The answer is 11:44
